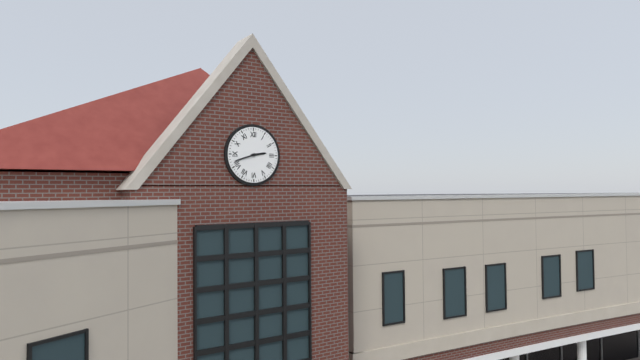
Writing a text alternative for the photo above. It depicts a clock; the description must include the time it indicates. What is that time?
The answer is 2:42
